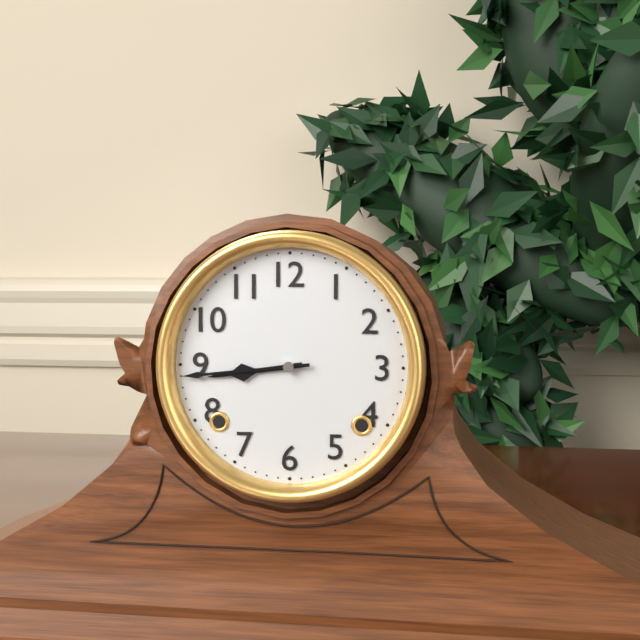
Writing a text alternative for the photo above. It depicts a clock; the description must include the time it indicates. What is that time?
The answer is 8:44
